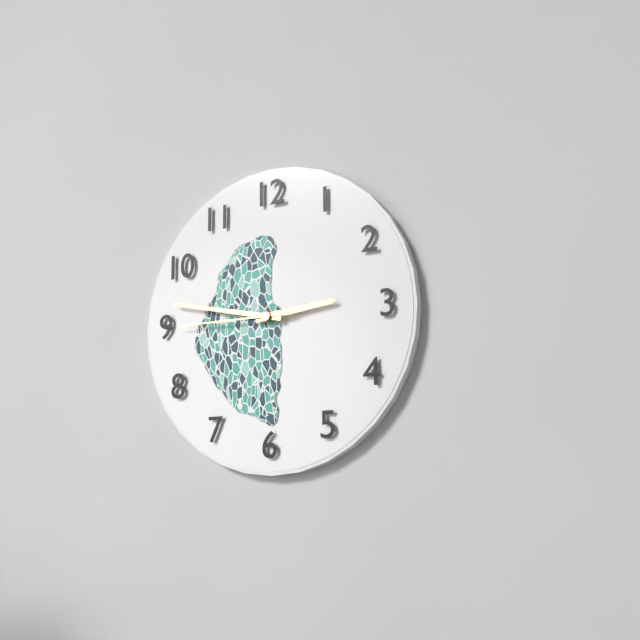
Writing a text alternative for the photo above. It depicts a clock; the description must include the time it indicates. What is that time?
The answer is 2:47:45
